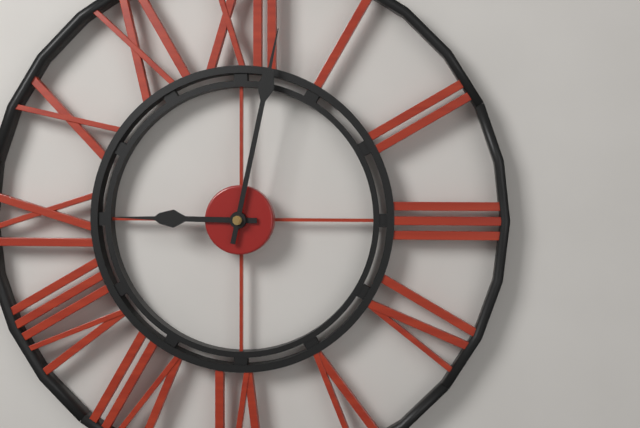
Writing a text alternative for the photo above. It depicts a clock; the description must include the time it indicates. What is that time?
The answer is 9:02
